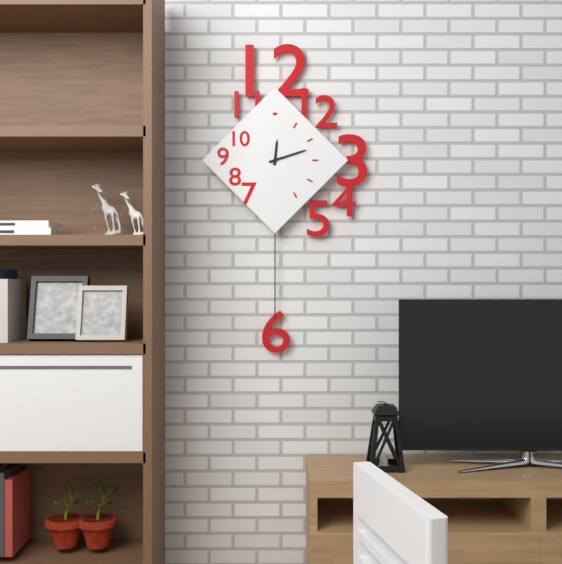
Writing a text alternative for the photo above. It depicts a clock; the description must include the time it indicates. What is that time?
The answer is 12:12
